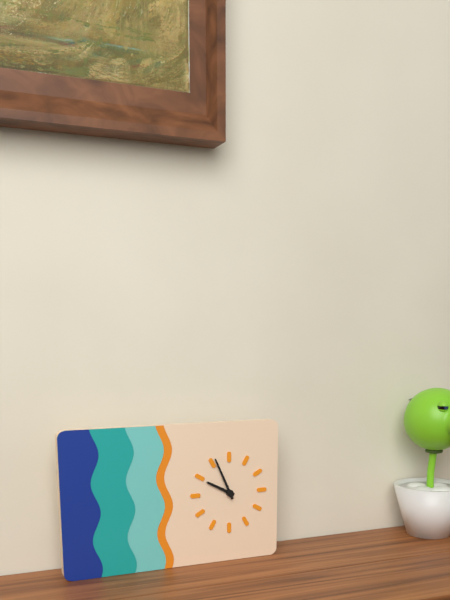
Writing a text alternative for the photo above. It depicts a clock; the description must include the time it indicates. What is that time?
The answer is 9:56
